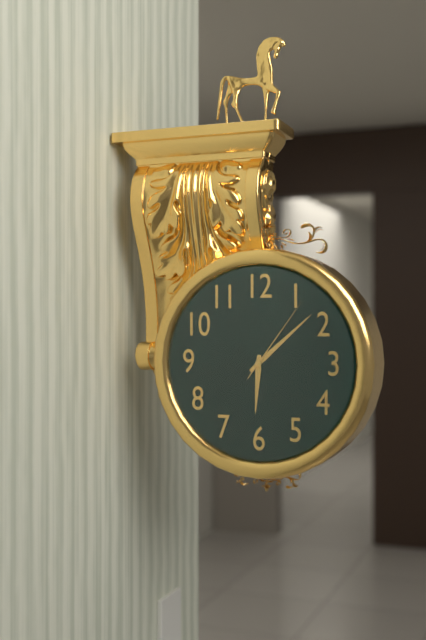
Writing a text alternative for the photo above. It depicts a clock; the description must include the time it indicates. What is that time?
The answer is 6:08:06
